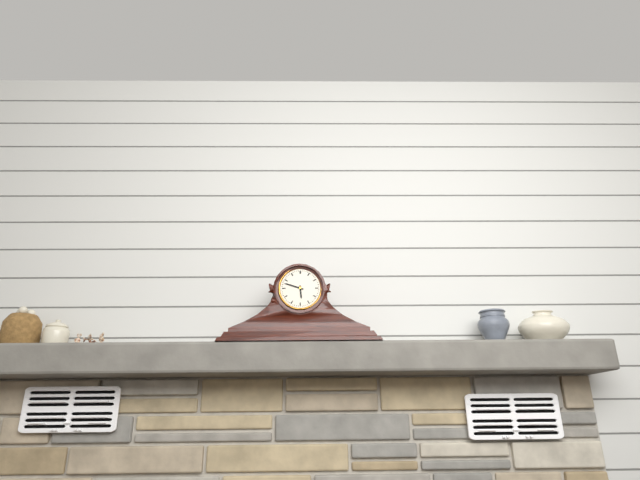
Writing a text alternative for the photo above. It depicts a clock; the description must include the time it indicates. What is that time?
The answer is 5:48
